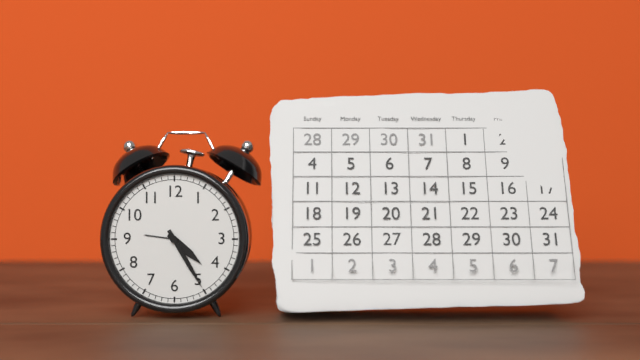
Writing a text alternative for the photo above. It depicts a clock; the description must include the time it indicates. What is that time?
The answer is 4:25
